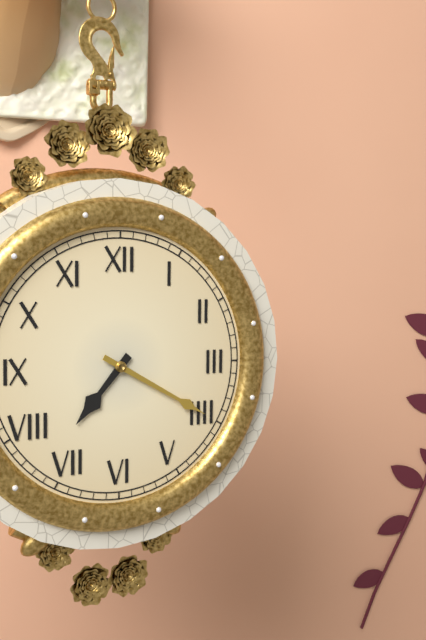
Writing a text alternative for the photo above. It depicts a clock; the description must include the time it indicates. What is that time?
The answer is 7:20
